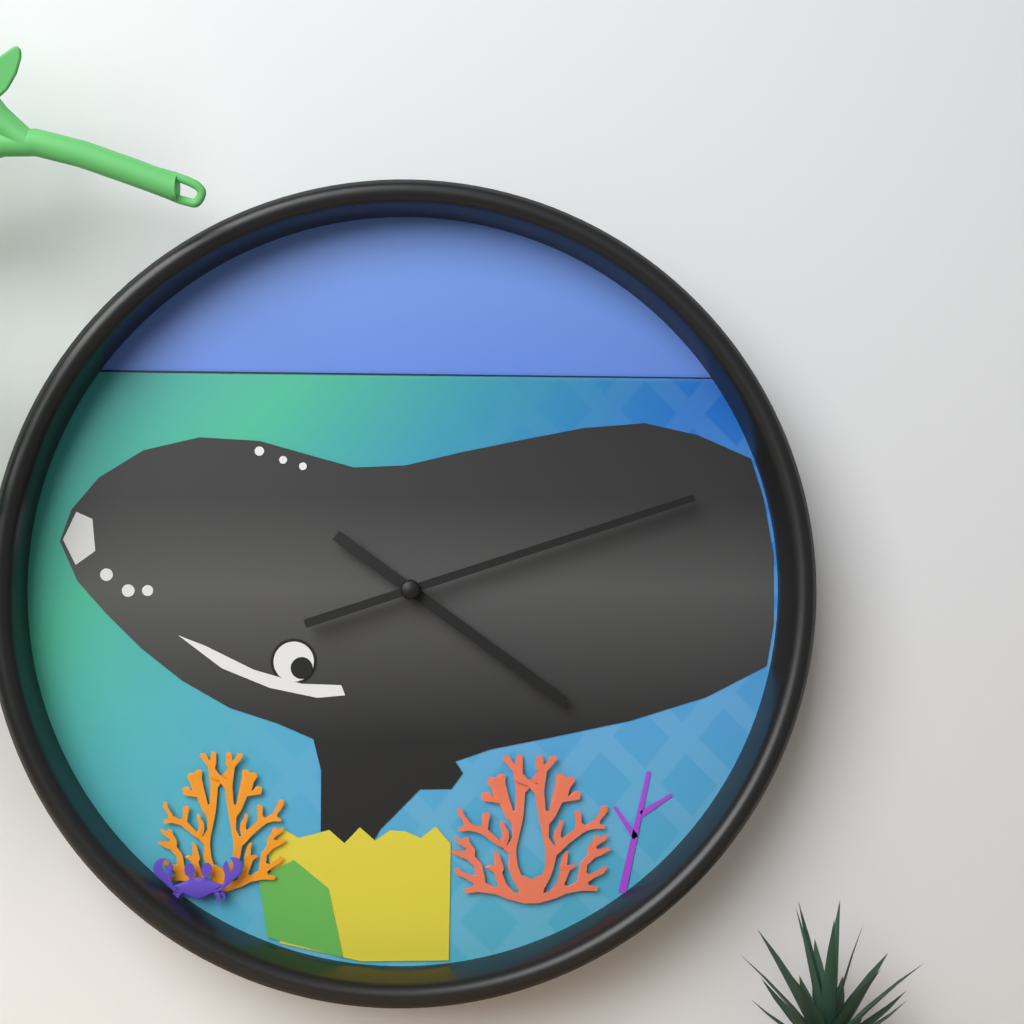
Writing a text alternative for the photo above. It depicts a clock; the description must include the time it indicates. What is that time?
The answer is 4:12
